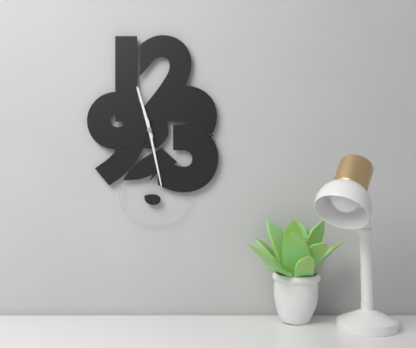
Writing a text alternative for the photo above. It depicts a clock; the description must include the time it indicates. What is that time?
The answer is 11:28
